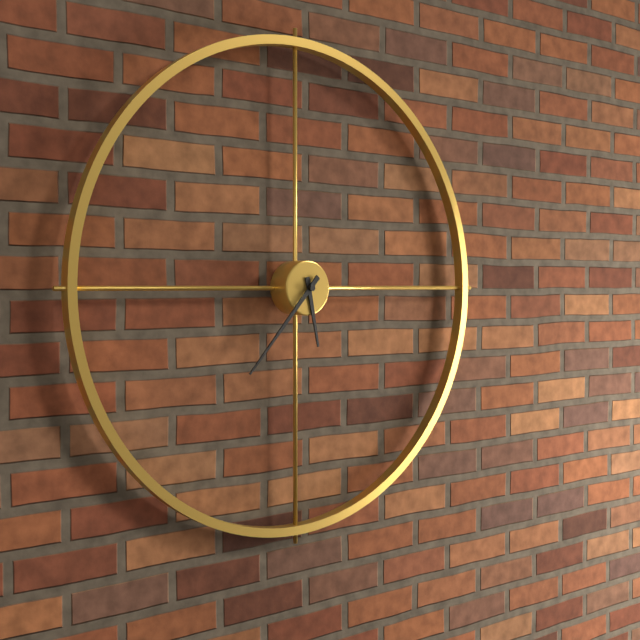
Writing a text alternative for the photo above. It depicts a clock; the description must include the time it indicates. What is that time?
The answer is 5:37
